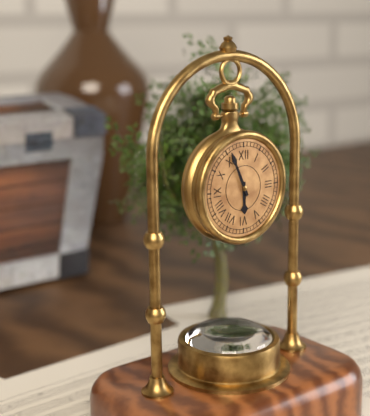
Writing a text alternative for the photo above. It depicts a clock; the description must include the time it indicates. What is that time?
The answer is 5:56
